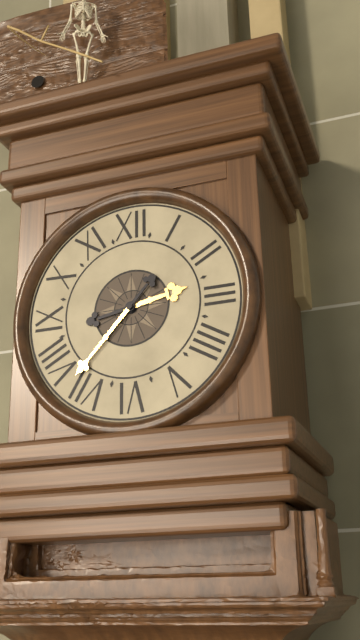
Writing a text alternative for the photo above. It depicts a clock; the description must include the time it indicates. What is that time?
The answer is 2:37
